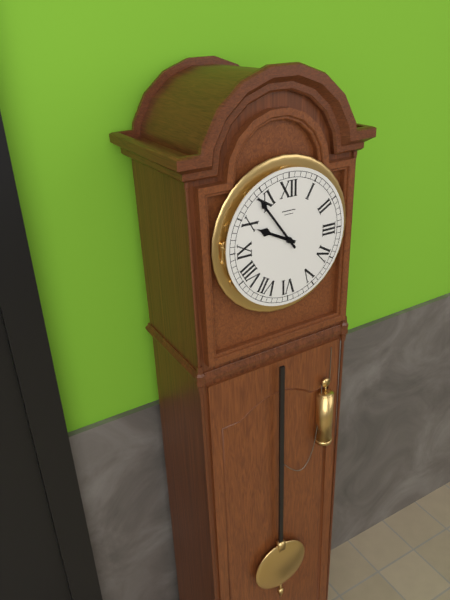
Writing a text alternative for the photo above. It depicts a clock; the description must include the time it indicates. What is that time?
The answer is 9:54
